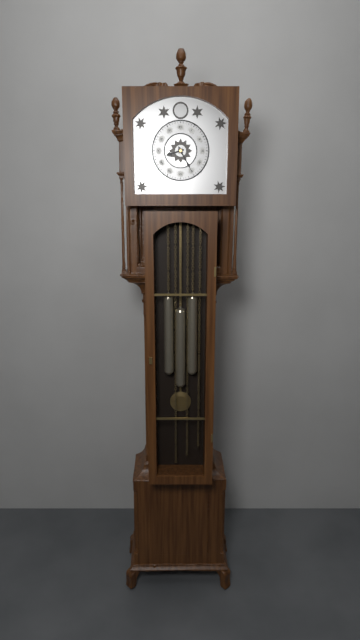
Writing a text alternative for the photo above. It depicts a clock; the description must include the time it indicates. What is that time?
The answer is 8:25
